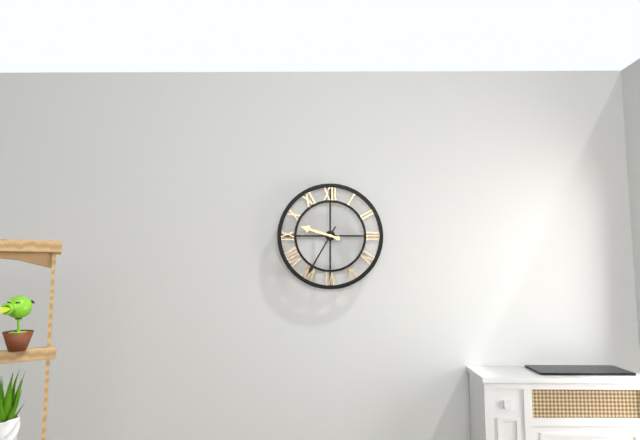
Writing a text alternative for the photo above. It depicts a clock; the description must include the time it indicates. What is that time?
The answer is 9:35
